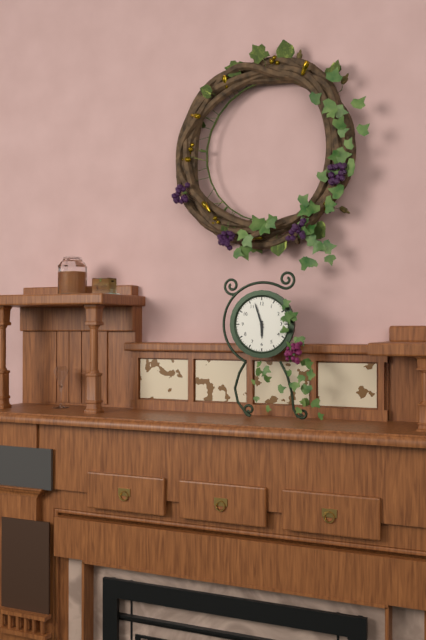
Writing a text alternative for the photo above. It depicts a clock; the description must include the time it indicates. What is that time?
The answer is 5:57
